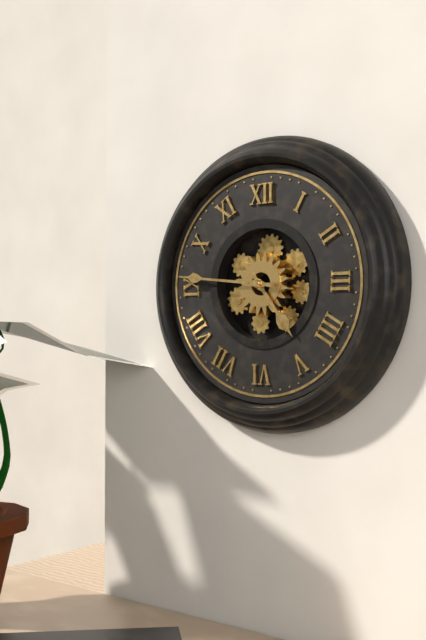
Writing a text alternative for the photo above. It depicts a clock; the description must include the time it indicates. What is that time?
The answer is 4:46
